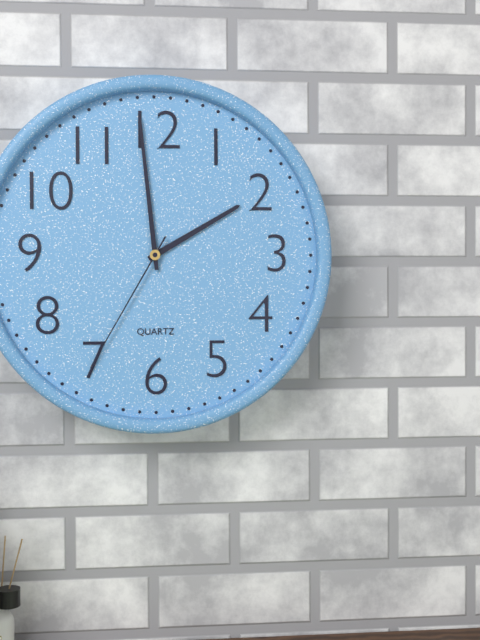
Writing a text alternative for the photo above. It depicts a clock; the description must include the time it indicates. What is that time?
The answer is 1:59:35
